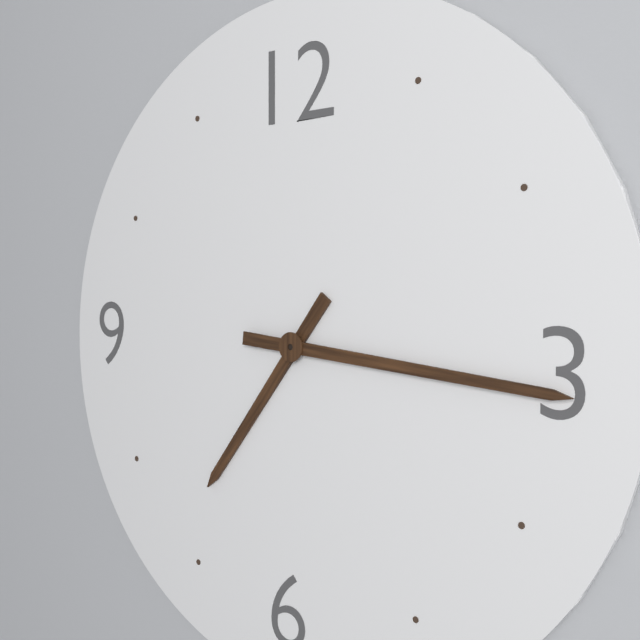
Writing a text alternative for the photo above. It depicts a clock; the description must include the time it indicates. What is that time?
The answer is 7:16
